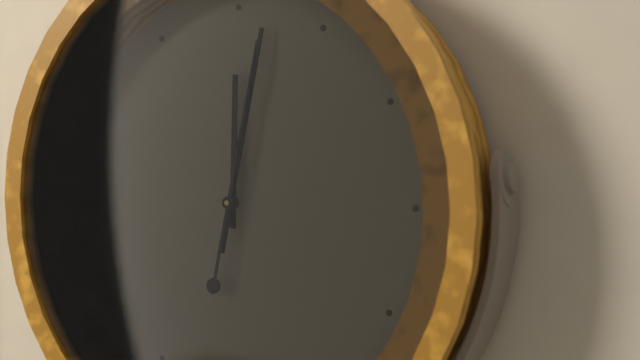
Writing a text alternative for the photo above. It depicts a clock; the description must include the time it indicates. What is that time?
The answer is 12:02:02
